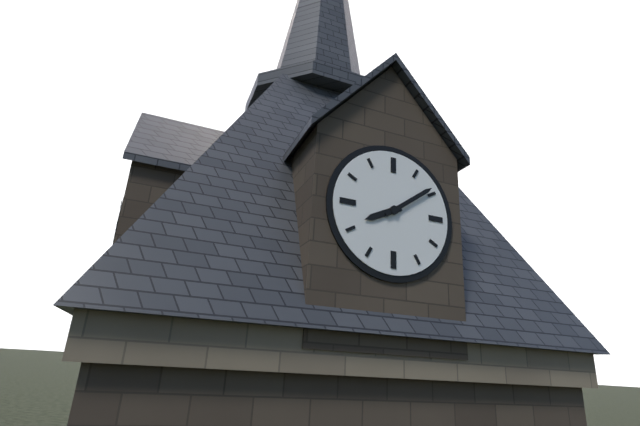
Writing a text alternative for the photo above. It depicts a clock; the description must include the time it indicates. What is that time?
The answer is 8:09
